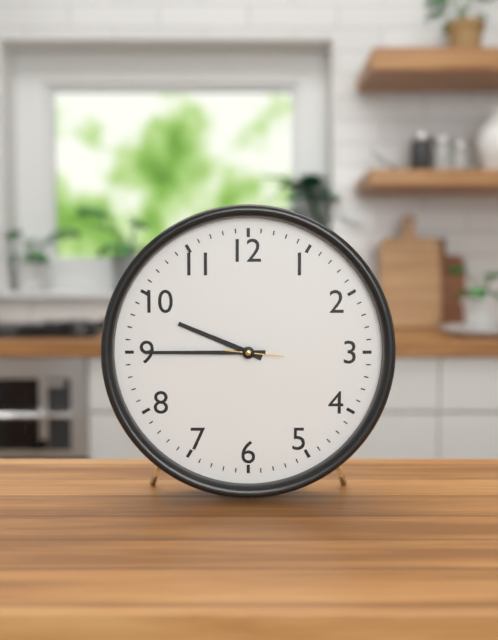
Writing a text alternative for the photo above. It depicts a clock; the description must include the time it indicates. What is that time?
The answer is 9:45
